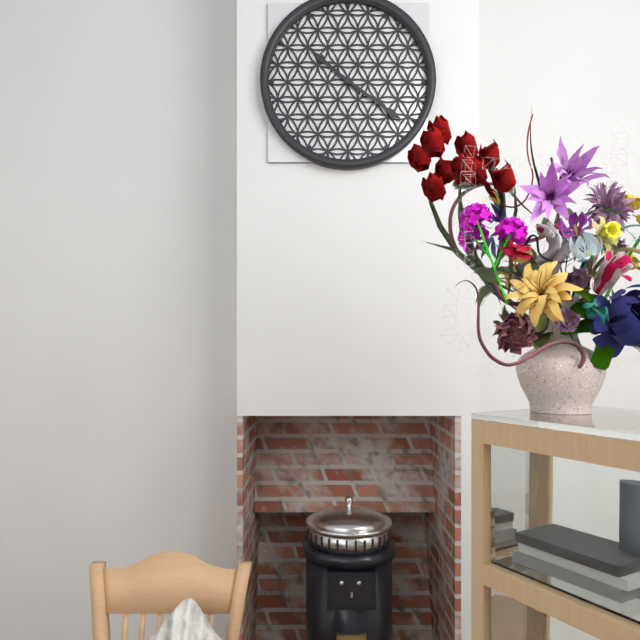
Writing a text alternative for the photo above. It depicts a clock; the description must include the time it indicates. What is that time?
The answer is 10:21
